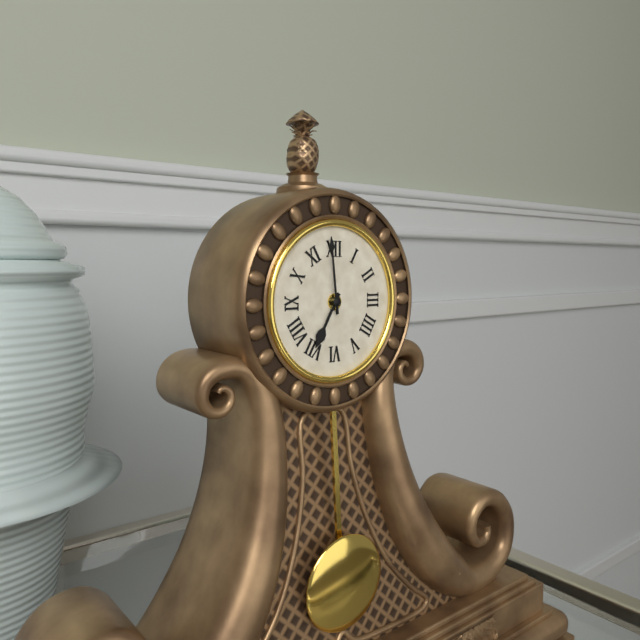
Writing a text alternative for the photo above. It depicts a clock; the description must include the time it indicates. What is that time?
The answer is 6:59
